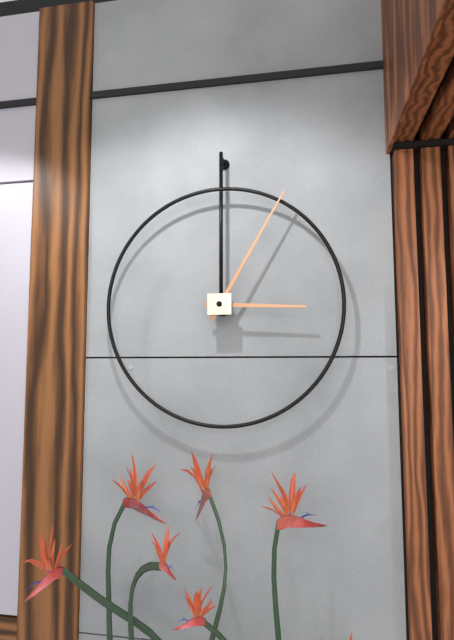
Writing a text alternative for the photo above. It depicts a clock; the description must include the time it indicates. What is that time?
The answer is 3:05
